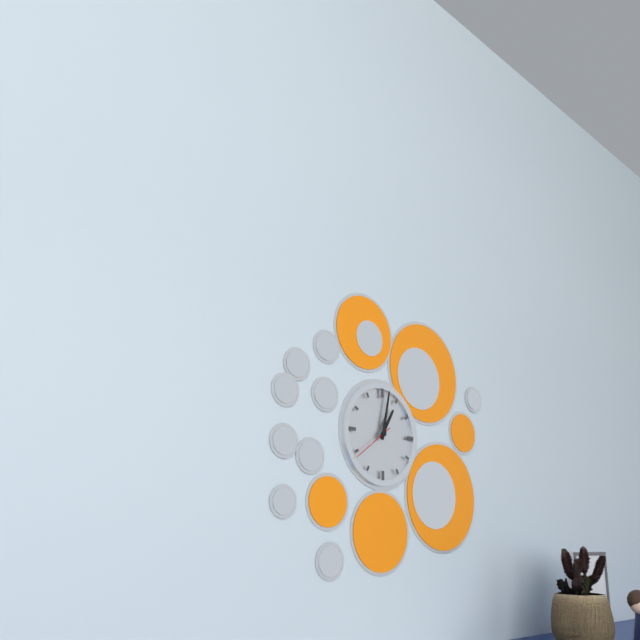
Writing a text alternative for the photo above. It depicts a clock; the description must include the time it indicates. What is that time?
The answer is 1:02
